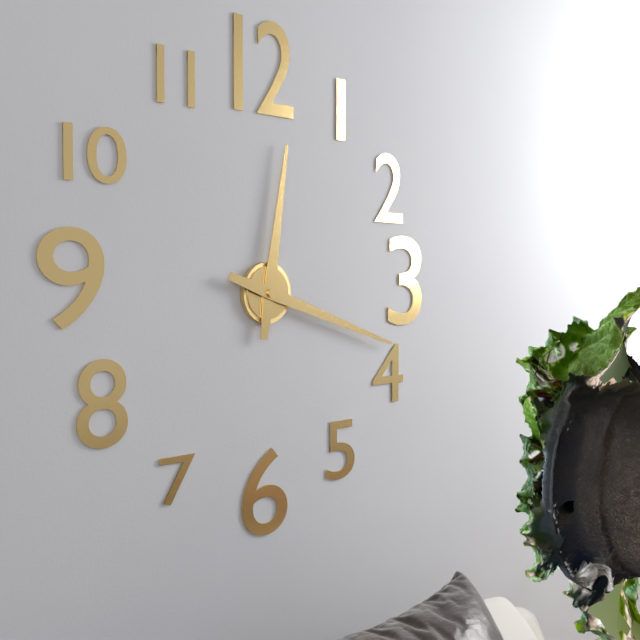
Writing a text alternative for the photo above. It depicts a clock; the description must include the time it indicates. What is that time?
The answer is 12:18
